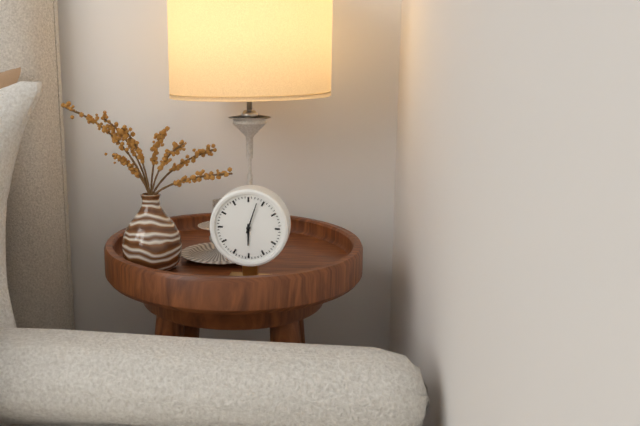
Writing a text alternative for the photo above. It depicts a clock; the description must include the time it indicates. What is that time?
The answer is 6:03
